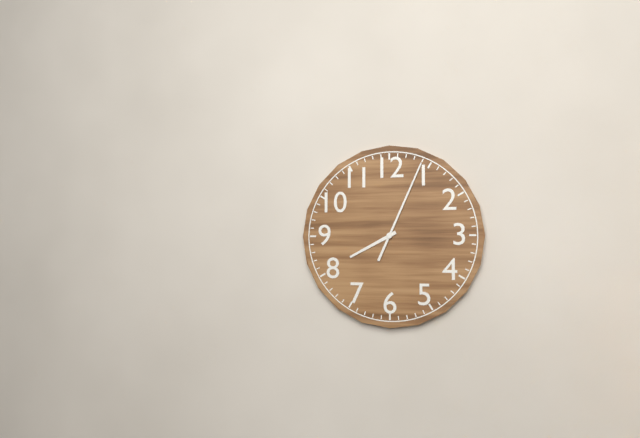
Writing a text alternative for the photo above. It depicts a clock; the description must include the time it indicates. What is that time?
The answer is 8:04
